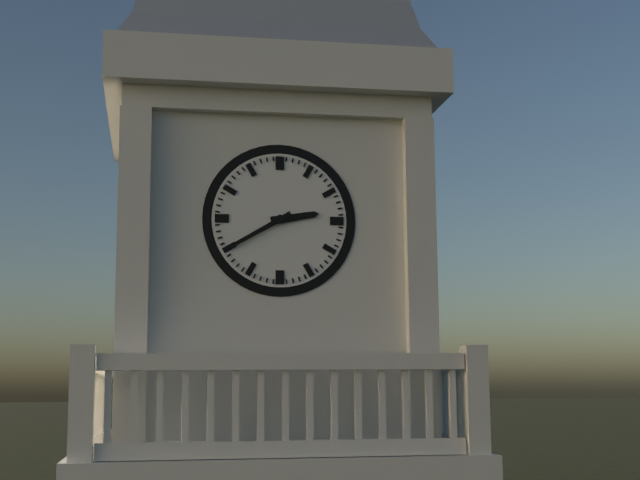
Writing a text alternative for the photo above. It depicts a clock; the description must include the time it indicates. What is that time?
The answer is 2:40
